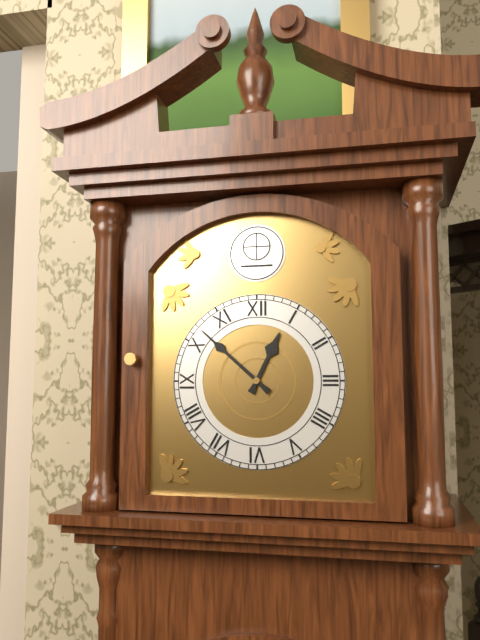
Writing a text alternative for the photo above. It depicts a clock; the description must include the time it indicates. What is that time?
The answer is 12:52
